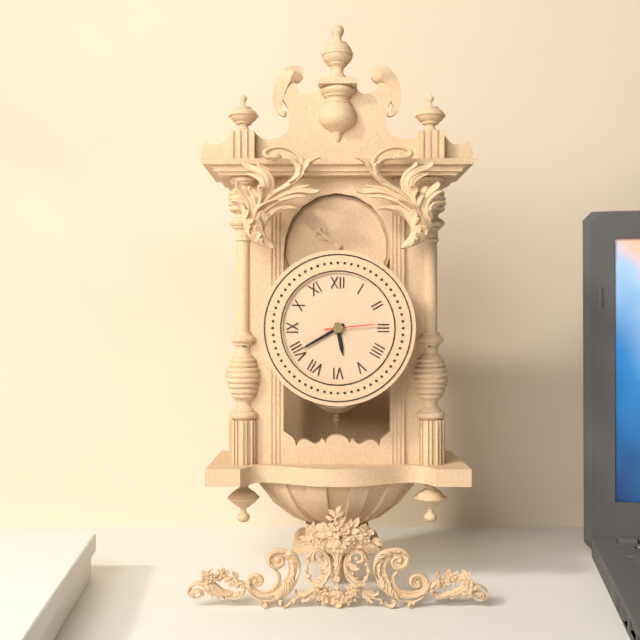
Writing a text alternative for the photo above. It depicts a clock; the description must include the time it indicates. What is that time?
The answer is 5:40
